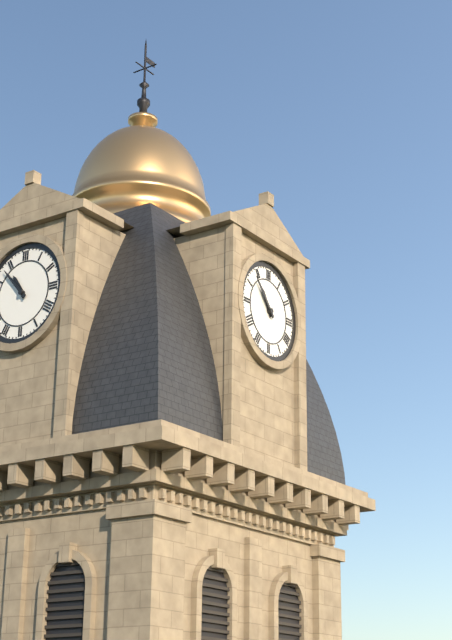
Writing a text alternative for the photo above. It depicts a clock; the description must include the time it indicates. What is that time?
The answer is 10:53
